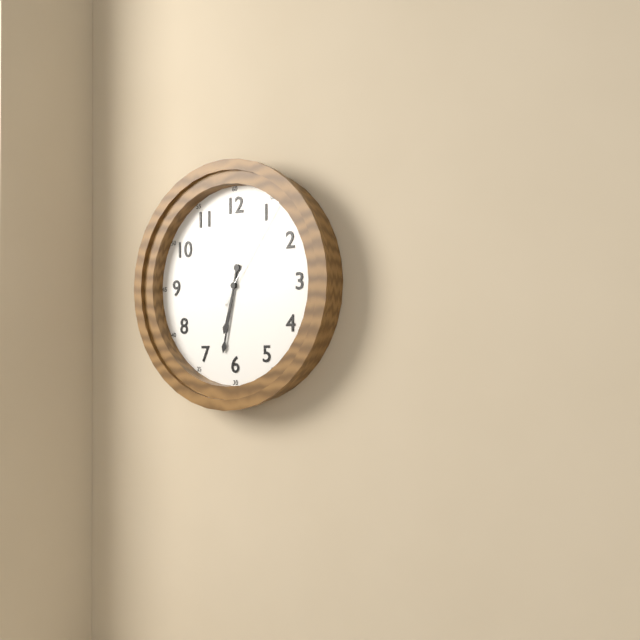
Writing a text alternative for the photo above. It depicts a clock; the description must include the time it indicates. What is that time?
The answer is 6:32:06
